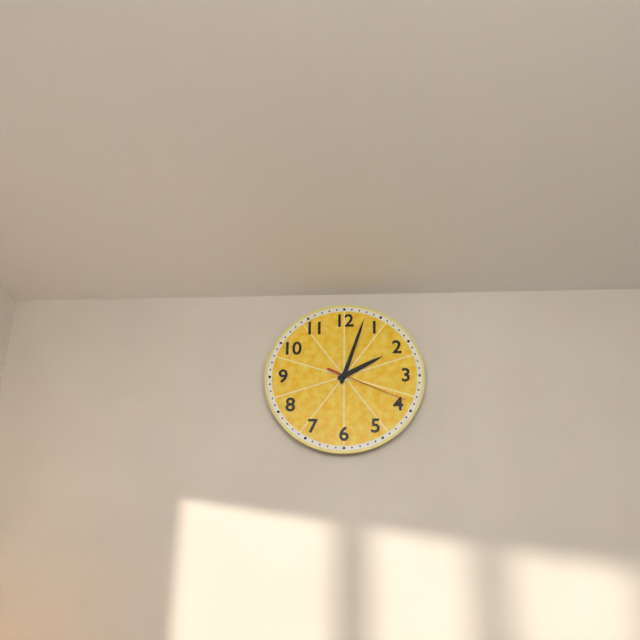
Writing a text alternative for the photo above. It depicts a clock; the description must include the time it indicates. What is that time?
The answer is 2:03:19
